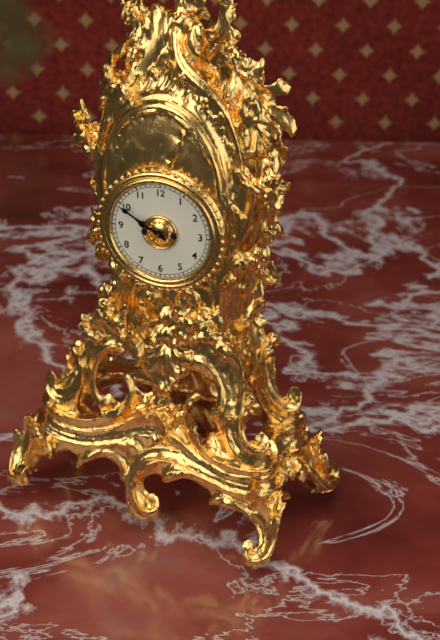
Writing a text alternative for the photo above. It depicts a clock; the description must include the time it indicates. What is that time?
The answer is 9:50
